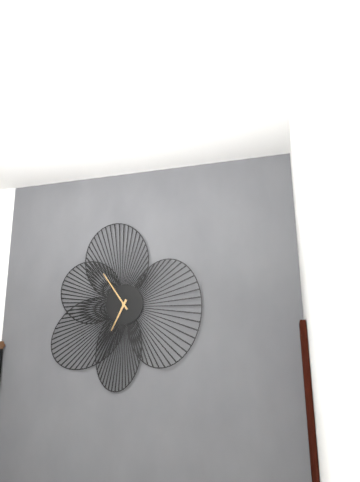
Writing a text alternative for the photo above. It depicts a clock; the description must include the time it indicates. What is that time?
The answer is 6:54
